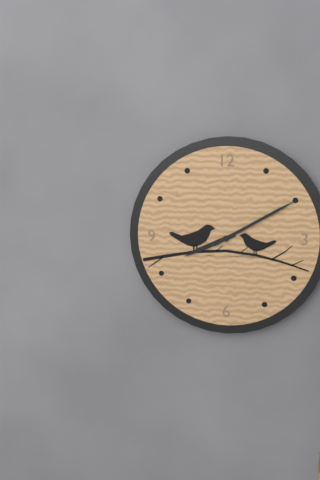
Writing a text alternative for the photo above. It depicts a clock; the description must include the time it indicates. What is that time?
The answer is 8:10
